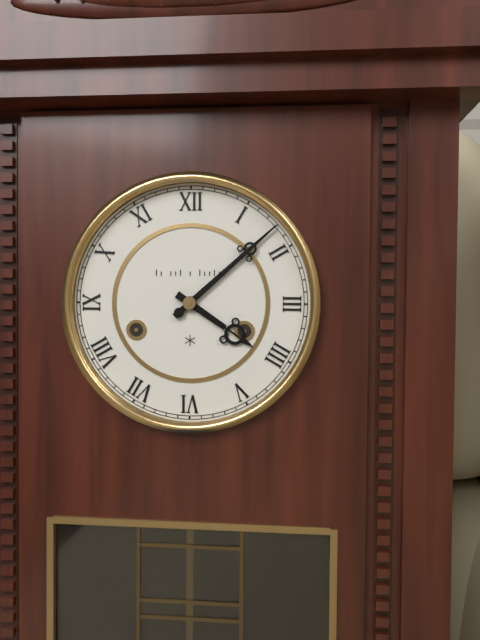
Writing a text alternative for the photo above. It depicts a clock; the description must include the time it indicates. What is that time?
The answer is 4:08
